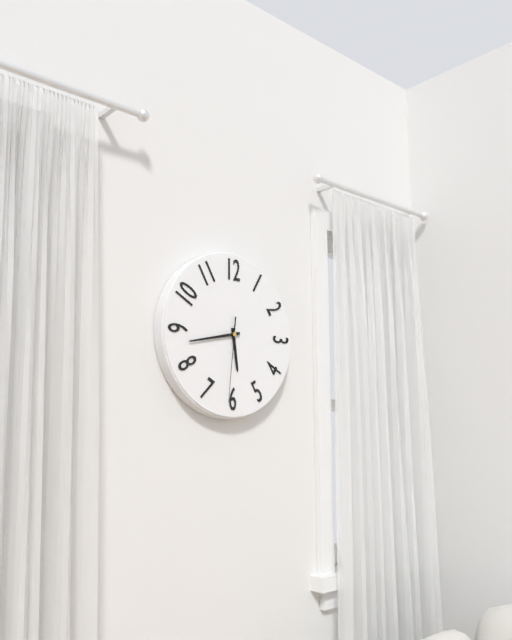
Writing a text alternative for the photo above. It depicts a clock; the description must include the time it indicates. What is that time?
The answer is 5:43:31
